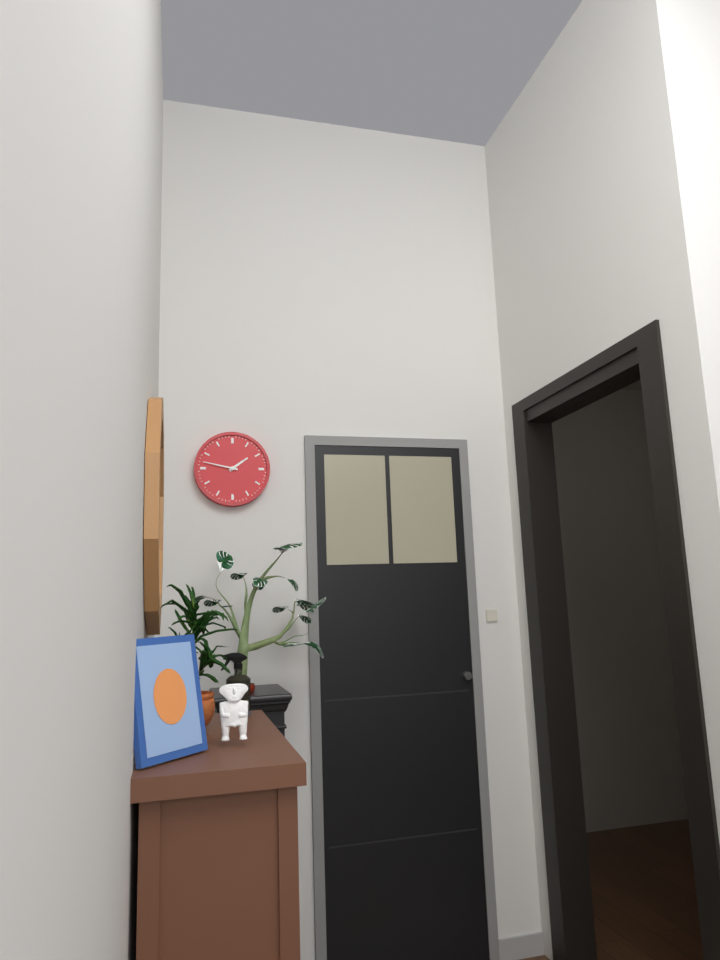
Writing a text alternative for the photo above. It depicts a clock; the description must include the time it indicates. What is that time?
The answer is 1:47
